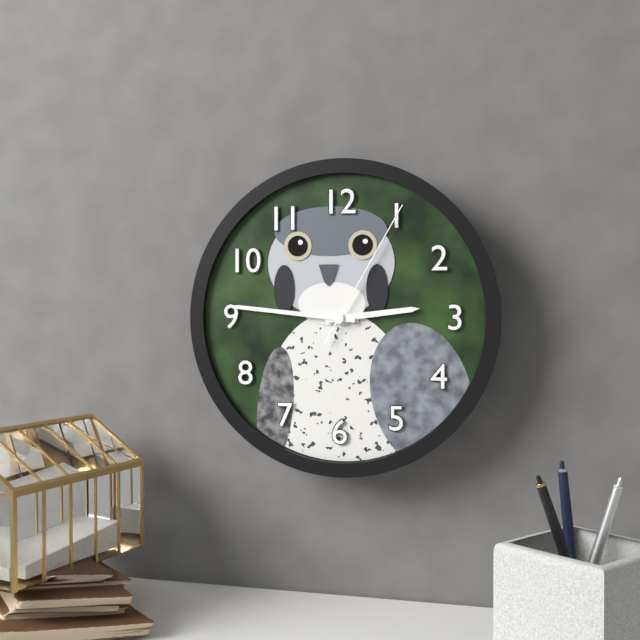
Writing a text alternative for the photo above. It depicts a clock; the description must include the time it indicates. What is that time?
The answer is 2:46:05
